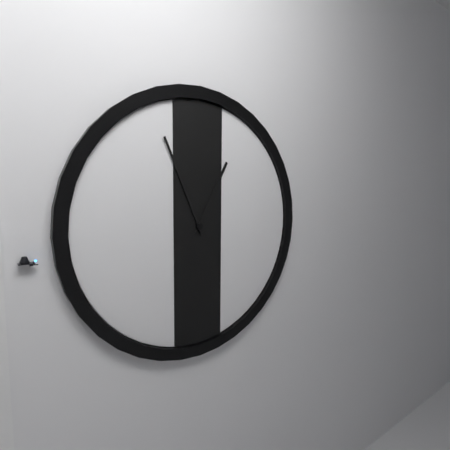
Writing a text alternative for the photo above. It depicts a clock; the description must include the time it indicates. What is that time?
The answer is 12:56
